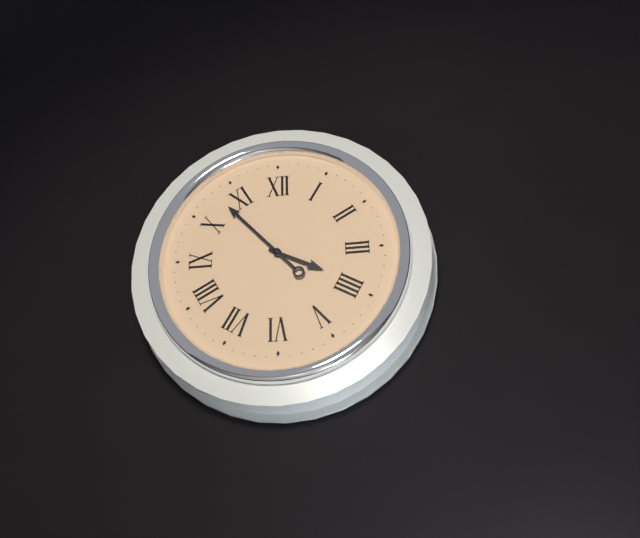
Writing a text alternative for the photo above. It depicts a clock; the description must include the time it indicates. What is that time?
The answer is 3:53
